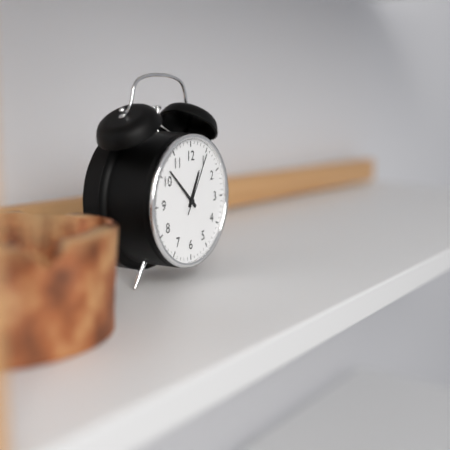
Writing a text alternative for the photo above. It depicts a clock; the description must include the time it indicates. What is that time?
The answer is 12:52:05
